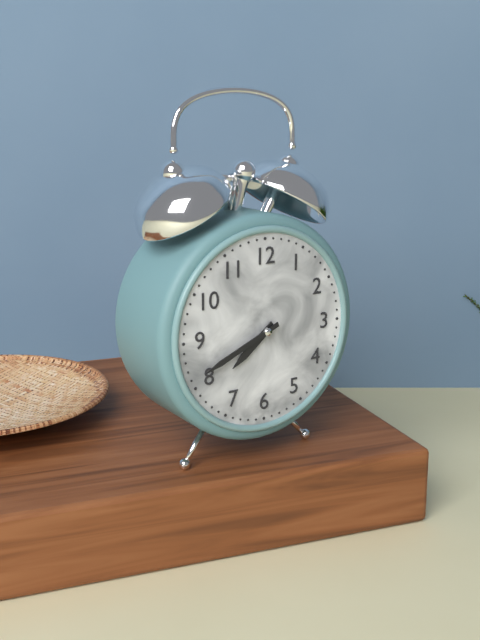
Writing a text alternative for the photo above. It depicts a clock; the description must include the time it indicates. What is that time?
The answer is 7:41
